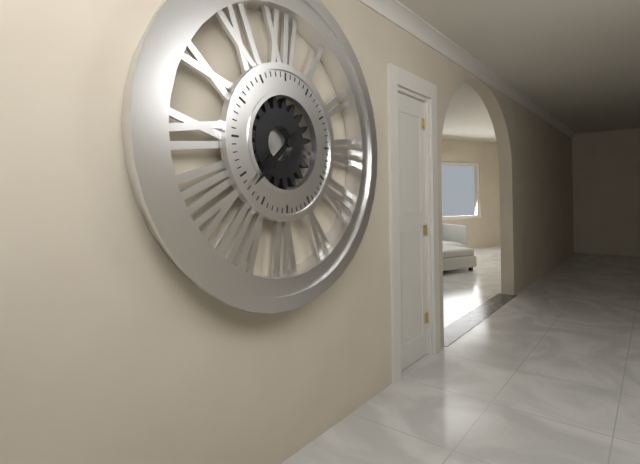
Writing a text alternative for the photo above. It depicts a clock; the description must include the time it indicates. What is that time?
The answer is 7:38
